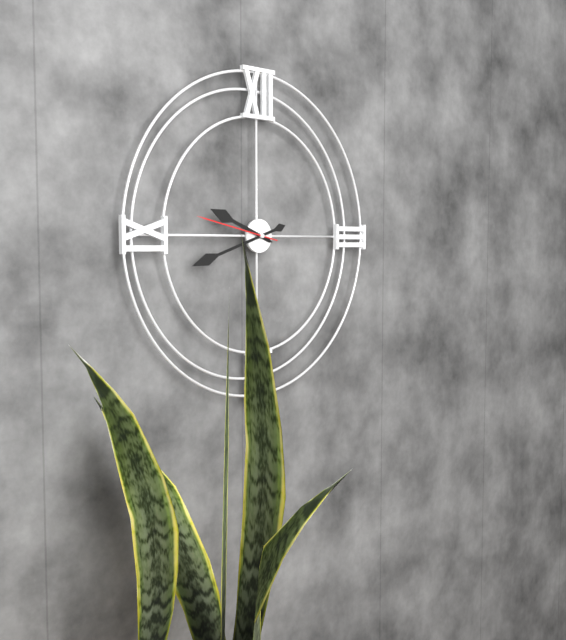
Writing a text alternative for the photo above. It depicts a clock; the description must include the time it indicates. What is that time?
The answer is 9:42:47
